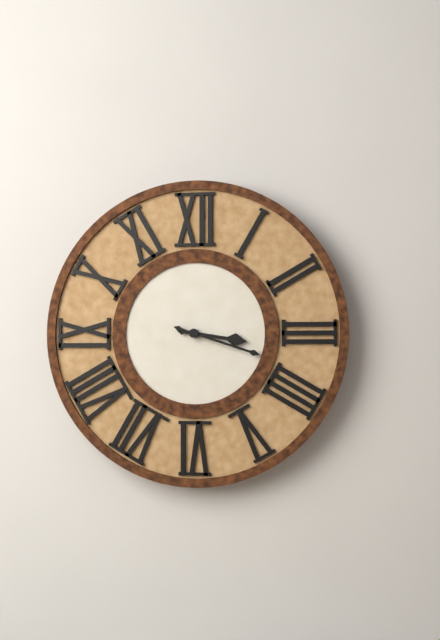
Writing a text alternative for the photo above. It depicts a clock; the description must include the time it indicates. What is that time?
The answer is 3:18
